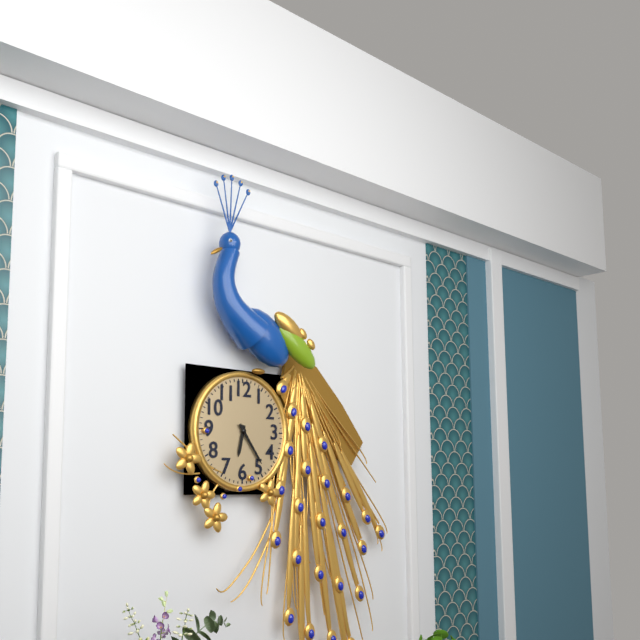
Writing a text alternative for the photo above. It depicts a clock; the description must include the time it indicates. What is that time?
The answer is 6:24
